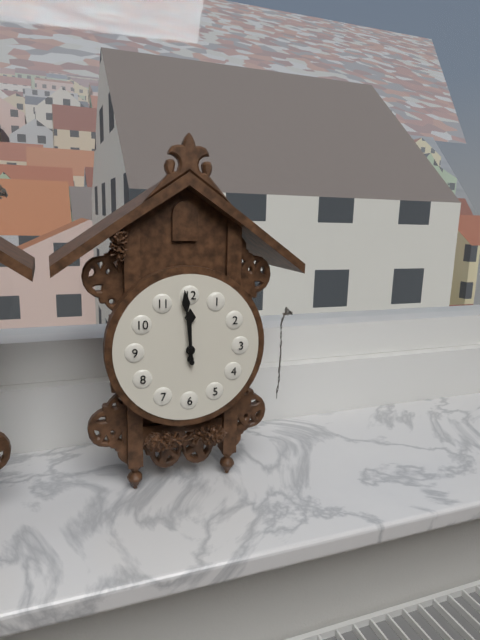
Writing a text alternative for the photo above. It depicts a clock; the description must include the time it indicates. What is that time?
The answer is 11:59
